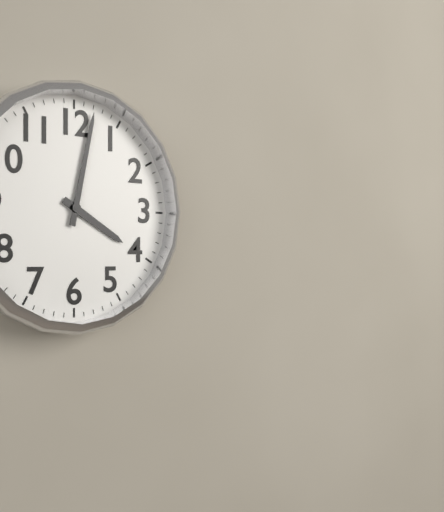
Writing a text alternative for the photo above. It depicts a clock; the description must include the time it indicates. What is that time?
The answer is 4:02
